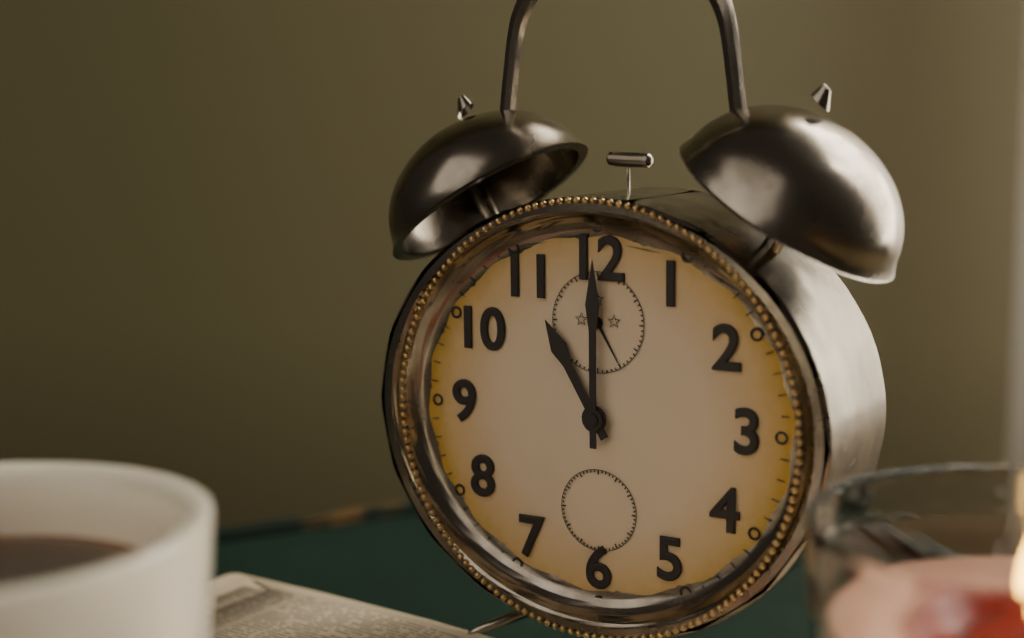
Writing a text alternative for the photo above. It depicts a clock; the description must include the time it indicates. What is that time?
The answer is 11:00
